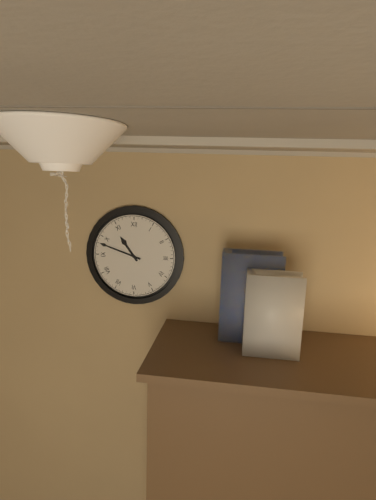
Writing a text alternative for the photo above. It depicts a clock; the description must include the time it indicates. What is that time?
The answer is 10:48
